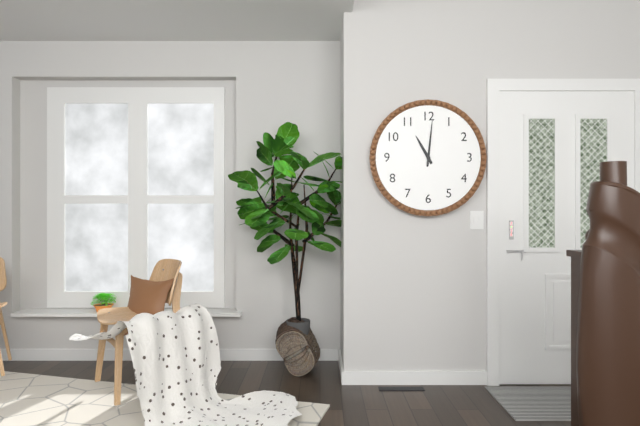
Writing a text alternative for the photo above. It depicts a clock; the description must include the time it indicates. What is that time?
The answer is 11:01
